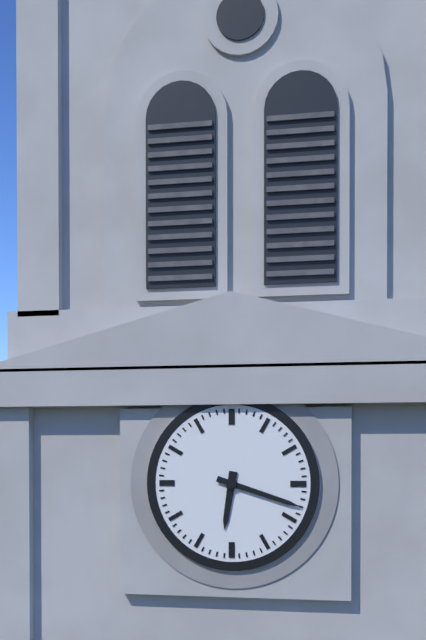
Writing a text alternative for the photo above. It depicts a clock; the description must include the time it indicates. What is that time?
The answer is 6:18
